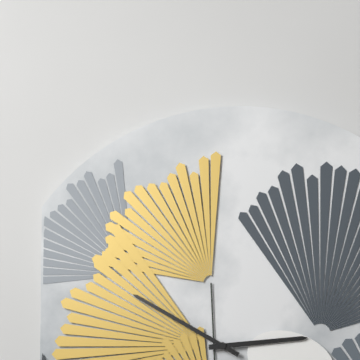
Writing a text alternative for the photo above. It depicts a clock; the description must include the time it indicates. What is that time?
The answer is 2:50
